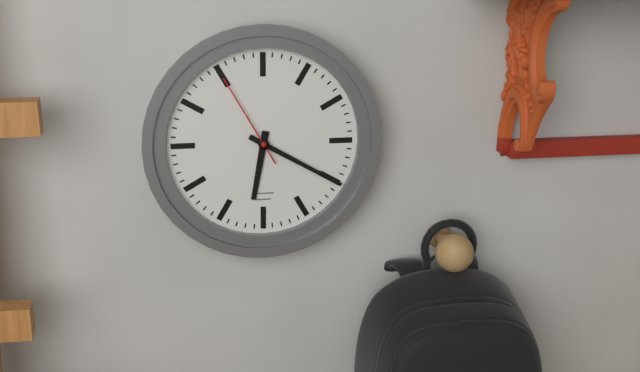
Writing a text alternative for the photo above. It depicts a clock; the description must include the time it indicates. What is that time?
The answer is 6:20:55
